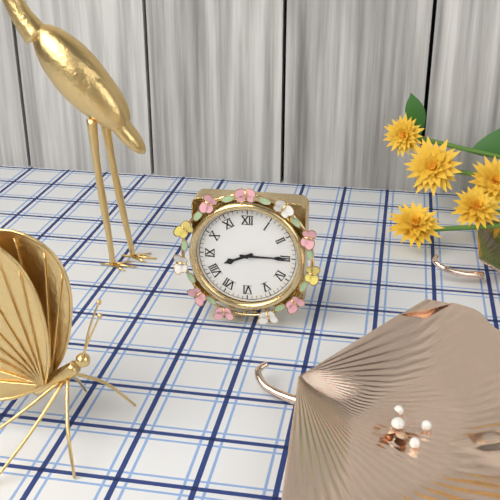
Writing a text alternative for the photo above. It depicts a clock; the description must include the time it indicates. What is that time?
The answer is 8:15
